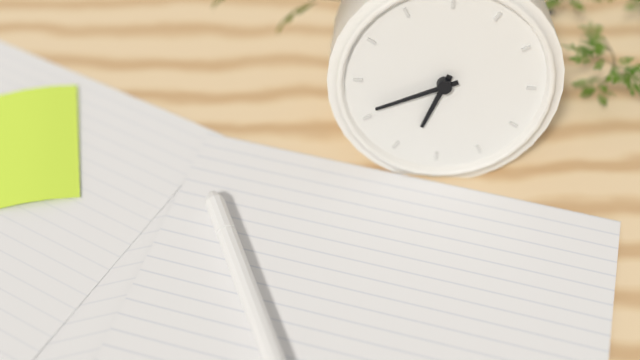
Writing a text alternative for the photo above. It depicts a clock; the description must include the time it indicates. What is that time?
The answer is 6:41
